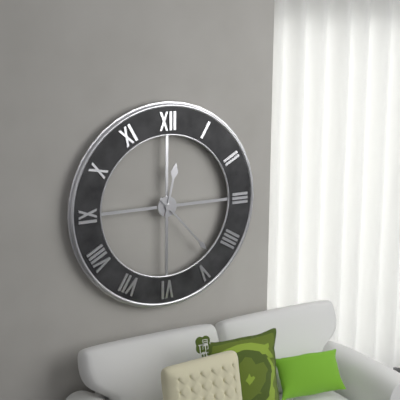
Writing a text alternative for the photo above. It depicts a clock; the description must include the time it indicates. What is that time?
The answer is 12:23
